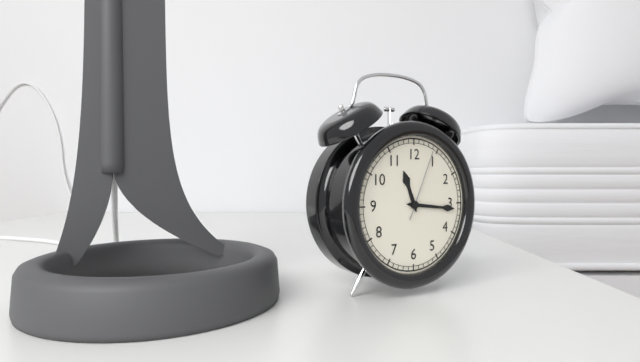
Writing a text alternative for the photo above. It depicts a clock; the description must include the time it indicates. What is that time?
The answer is 11:16:04
